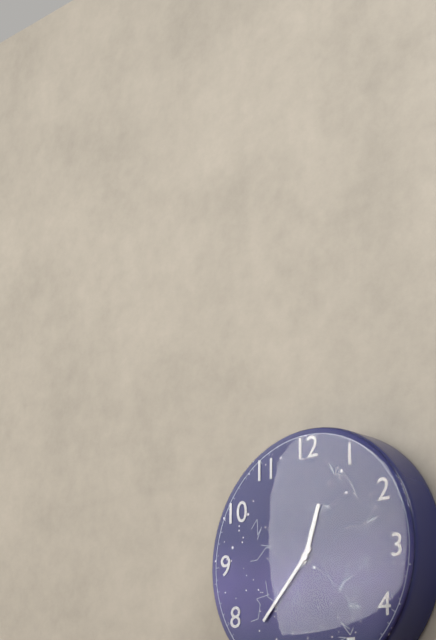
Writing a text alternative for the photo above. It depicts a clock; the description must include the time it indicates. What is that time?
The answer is 12:37
